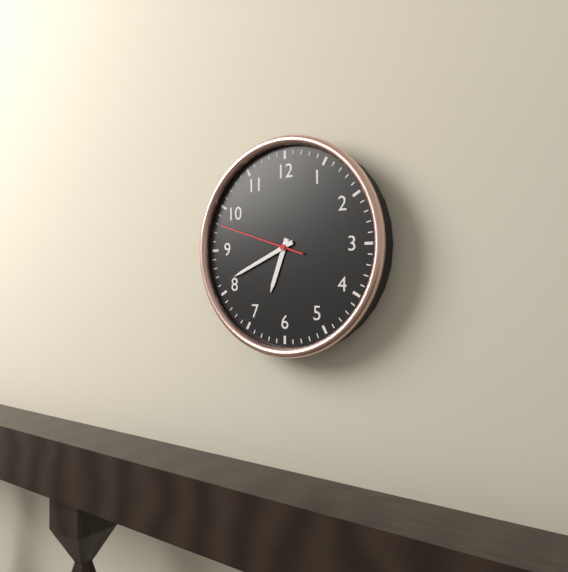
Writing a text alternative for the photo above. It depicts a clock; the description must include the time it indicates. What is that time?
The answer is 6:41:48
